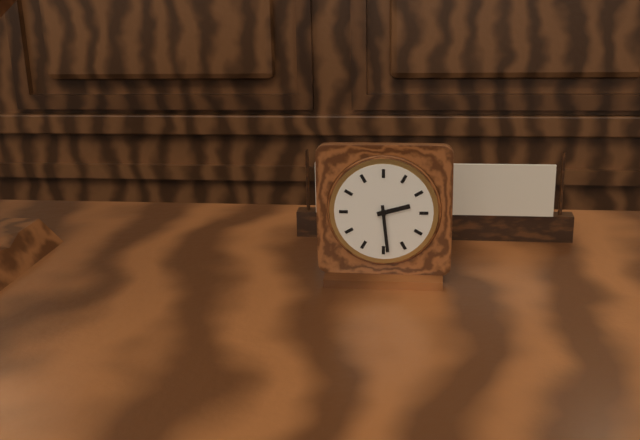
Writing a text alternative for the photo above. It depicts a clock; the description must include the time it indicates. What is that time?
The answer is 2:29
